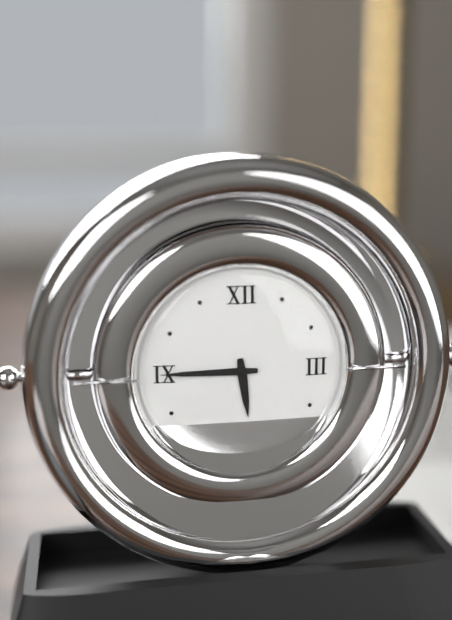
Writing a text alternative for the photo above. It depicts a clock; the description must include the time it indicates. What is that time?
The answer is 5:45
